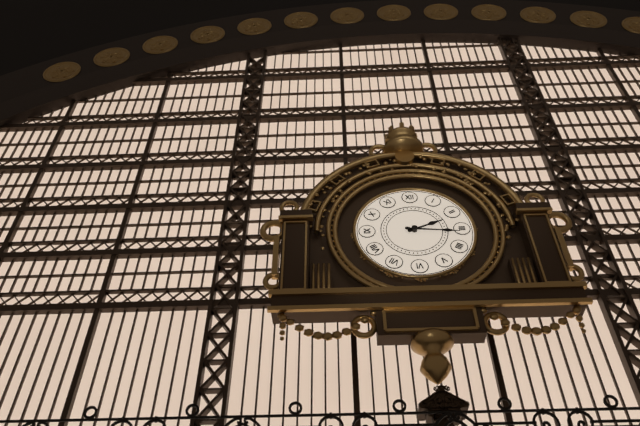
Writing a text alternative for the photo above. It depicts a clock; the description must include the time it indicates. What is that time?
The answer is 2:16
